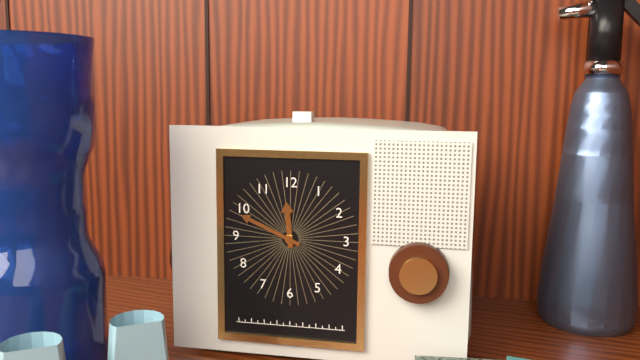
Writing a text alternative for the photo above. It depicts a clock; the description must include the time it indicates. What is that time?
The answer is 11:49
